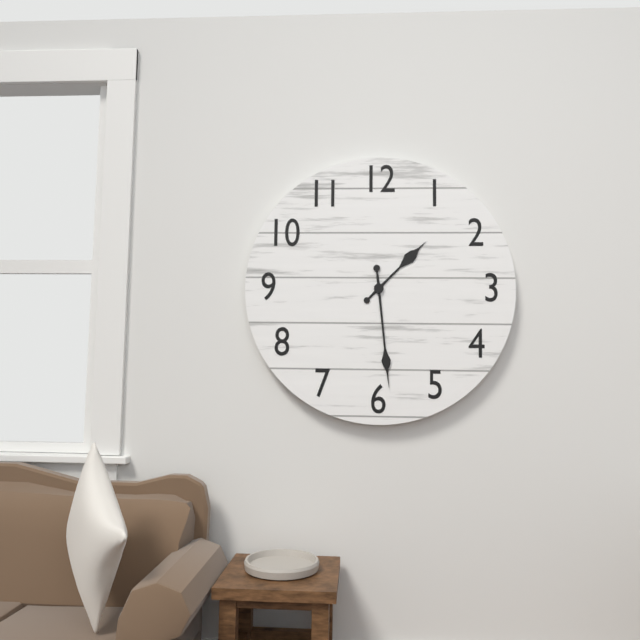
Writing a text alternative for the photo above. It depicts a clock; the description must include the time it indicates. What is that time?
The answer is 1:29
